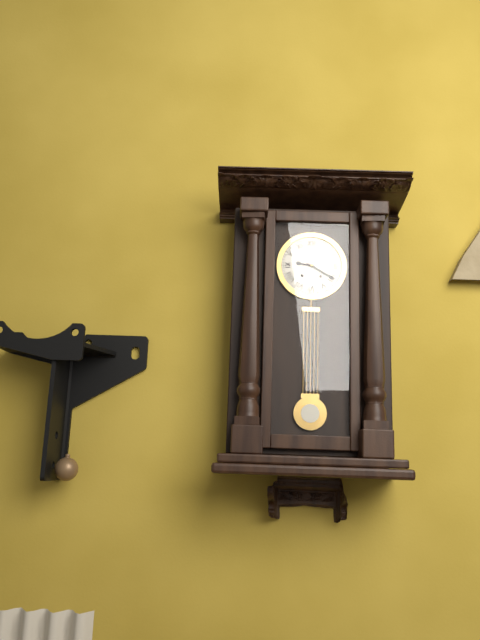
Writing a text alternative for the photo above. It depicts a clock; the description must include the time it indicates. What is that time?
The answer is 9:20
